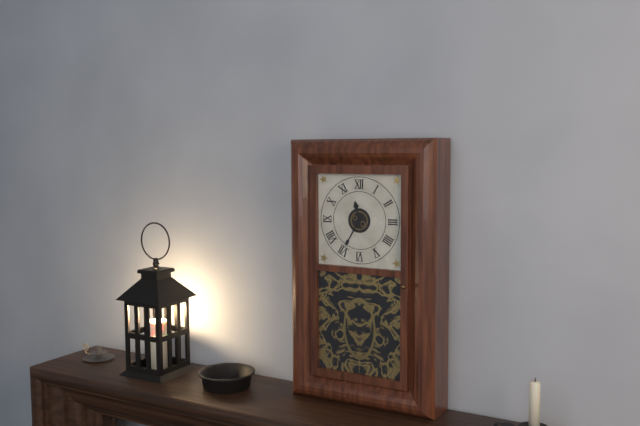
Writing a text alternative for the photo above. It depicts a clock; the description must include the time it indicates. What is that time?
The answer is 11:35
